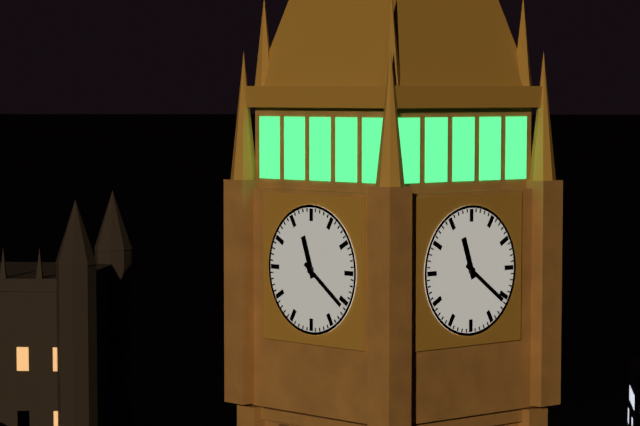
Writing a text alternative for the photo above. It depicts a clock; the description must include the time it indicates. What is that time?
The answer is 11:21
